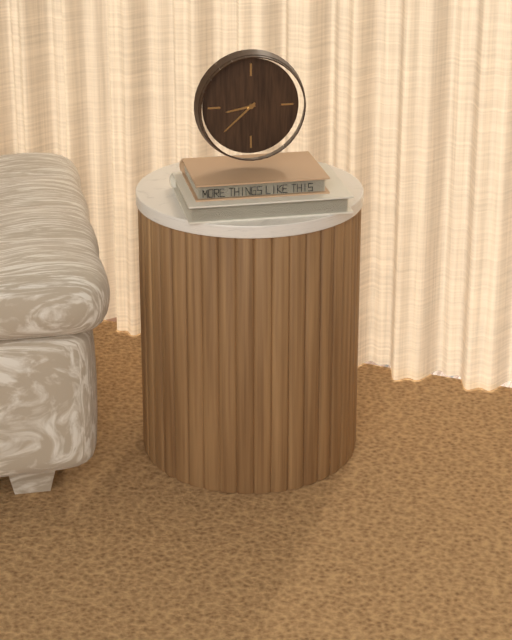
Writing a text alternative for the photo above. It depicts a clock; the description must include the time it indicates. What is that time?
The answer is 8:38
